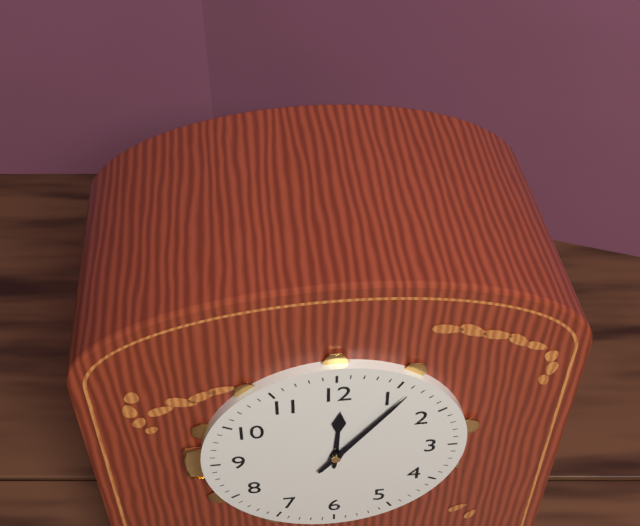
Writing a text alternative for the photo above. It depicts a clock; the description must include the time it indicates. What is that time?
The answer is 12:06
